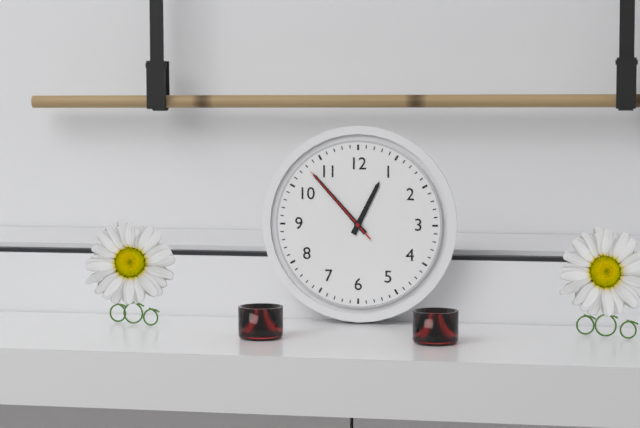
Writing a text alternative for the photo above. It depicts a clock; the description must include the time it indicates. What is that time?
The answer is 12:53:53
